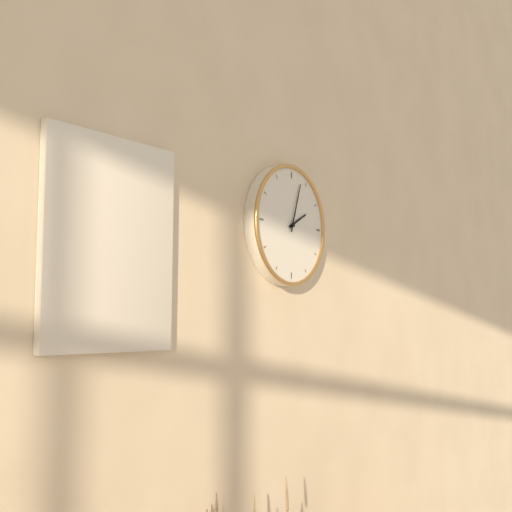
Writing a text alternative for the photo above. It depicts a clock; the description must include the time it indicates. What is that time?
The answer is 2:03
